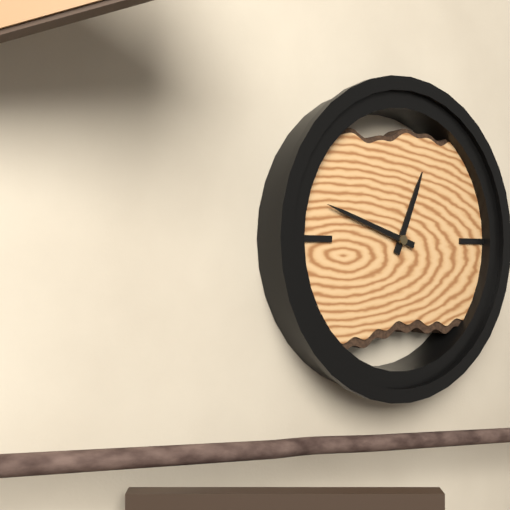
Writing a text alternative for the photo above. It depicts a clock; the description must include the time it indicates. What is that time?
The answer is 12:48
